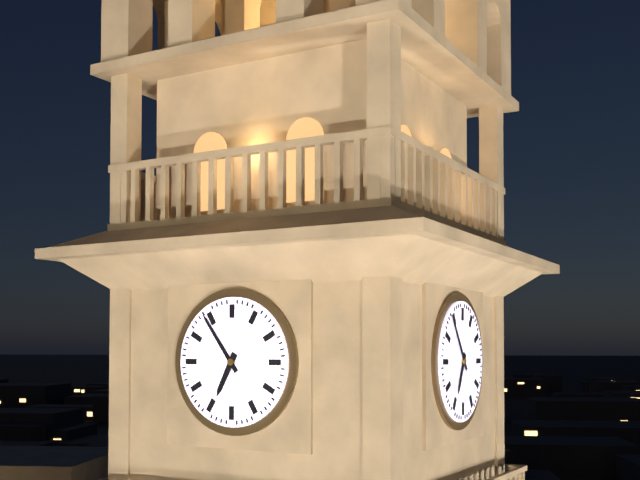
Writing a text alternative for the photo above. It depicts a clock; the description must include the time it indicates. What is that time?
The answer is 6:54
